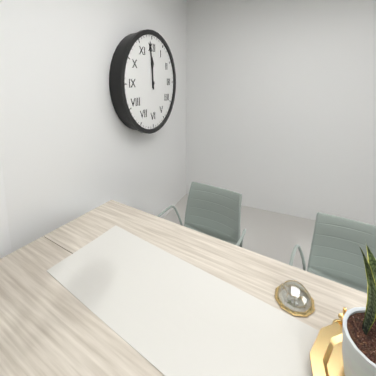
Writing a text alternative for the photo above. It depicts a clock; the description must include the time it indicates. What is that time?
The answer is 11:59
